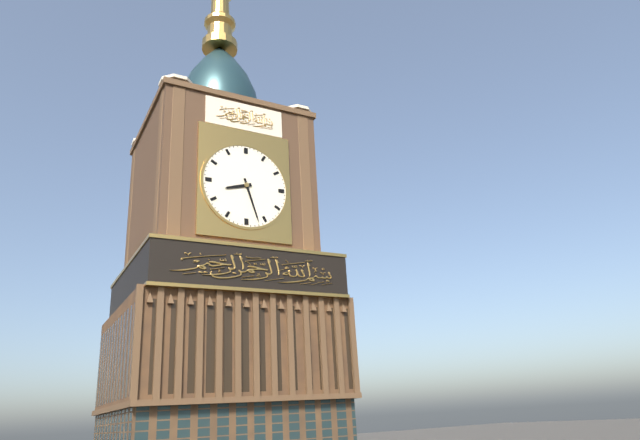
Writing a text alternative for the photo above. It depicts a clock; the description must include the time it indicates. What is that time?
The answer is 8:27
